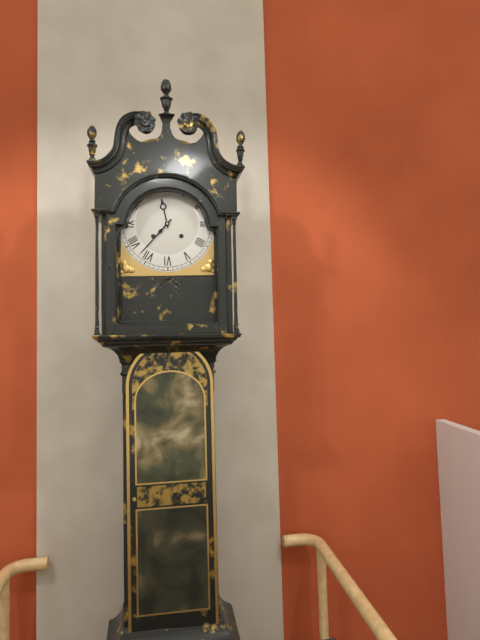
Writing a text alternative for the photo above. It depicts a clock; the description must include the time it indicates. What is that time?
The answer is 11:37
